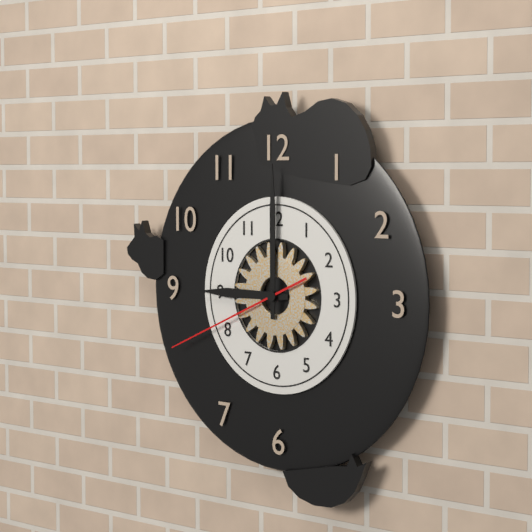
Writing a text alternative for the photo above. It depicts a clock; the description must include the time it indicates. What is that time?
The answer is 9:00:41
